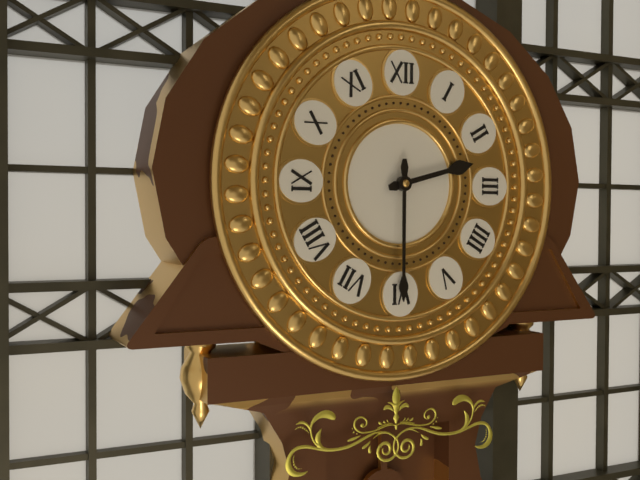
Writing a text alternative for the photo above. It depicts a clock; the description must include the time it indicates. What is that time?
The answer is 2:30
